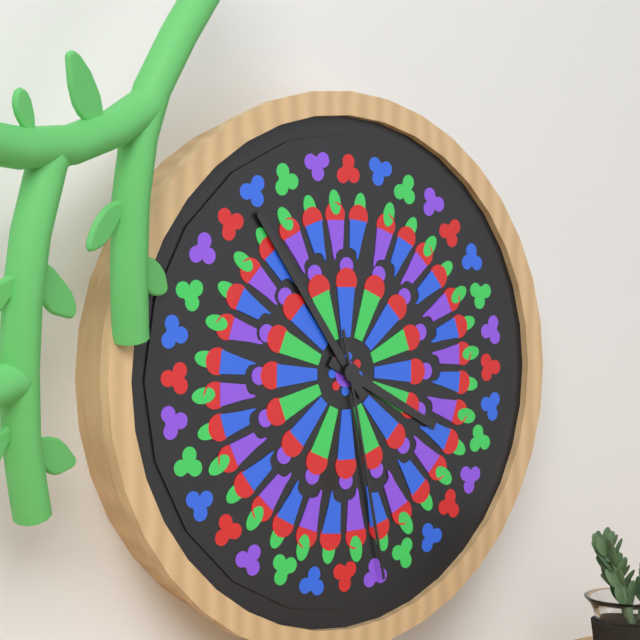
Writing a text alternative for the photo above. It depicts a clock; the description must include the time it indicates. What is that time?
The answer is 3:54:28
